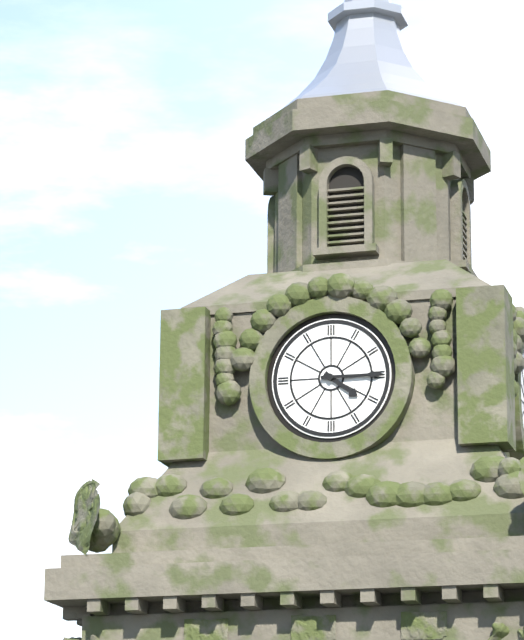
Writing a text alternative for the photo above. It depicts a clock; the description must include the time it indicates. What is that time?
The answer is 4:15
